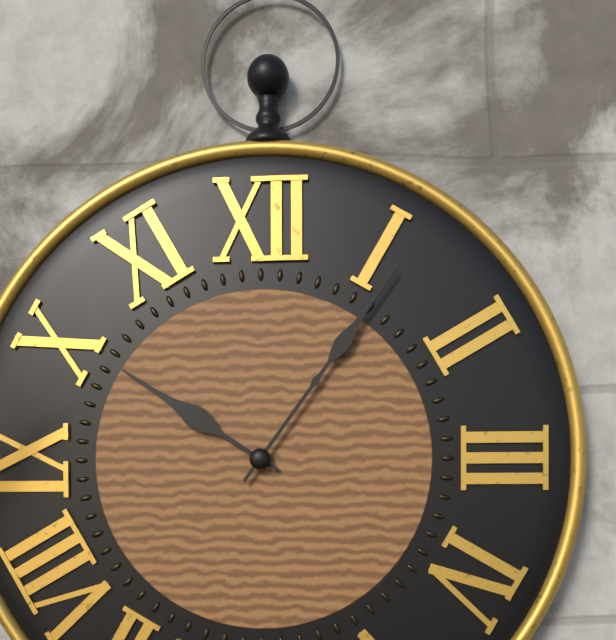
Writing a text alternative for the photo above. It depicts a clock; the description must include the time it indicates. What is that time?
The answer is 10:06
